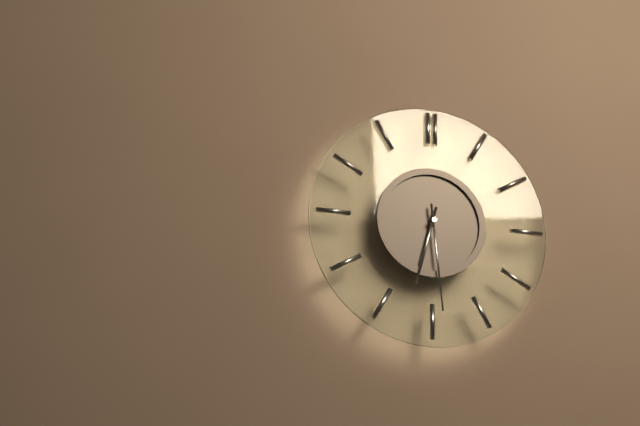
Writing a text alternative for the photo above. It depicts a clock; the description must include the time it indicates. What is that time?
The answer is 6:29
